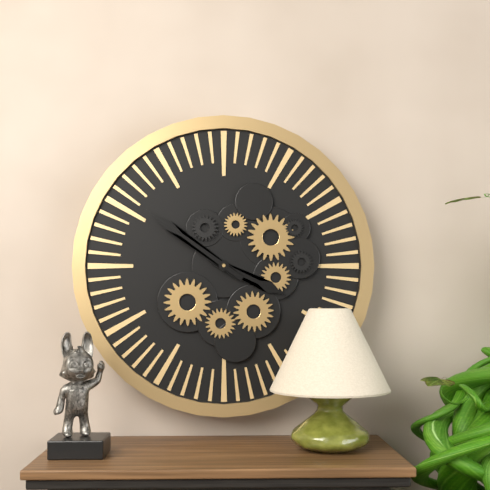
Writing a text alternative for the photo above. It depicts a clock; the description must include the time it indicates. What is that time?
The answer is 3:51
